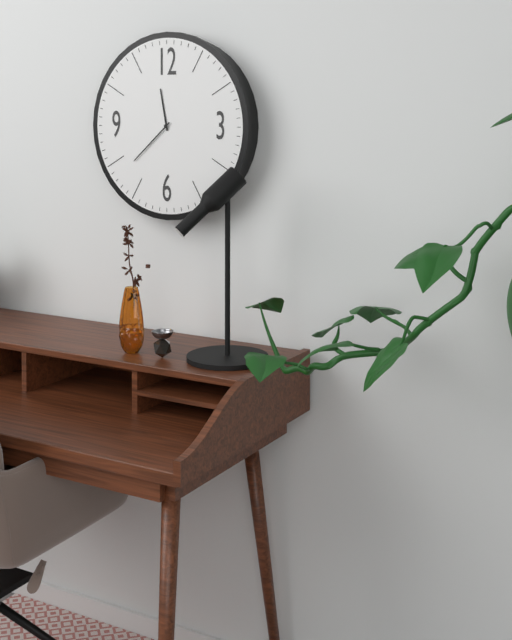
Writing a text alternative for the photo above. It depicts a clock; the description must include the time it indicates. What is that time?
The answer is 11:38
